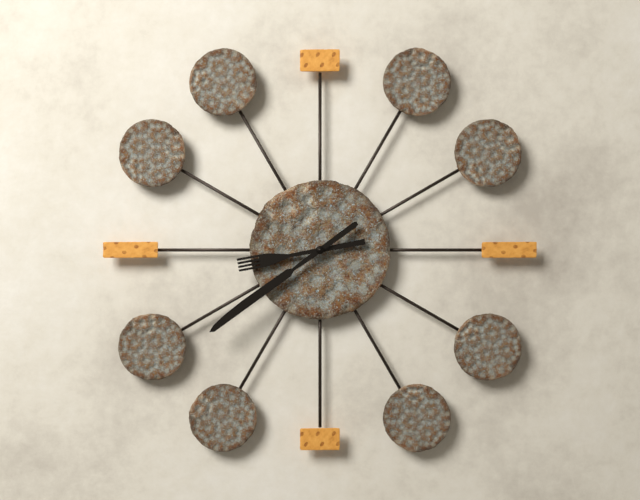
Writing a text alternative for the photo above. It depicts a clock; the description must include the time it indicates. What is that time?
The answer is 8:39
